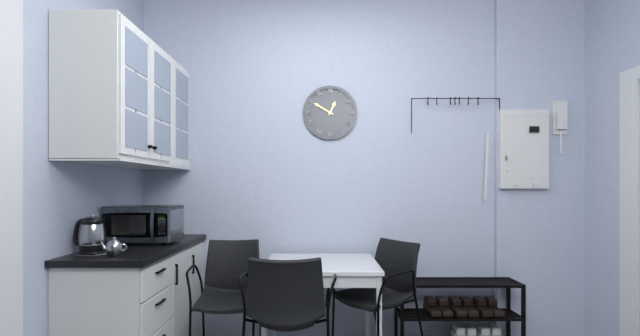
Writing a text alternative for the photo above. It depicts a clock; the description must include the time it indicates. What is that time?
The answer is 12:50
